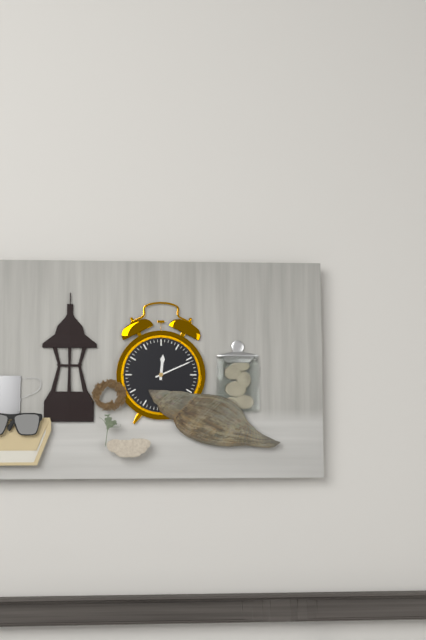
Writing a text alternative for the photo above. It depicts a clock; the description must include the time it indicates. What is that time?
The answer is 12:11
